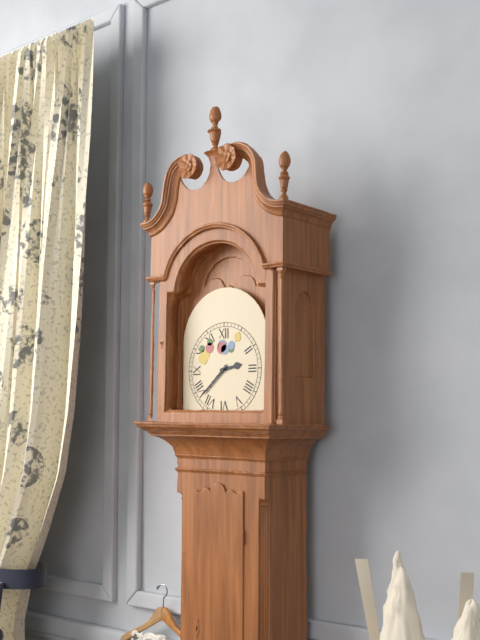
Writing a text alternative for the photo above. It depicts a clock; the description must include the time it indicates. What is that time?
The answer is 2:38
